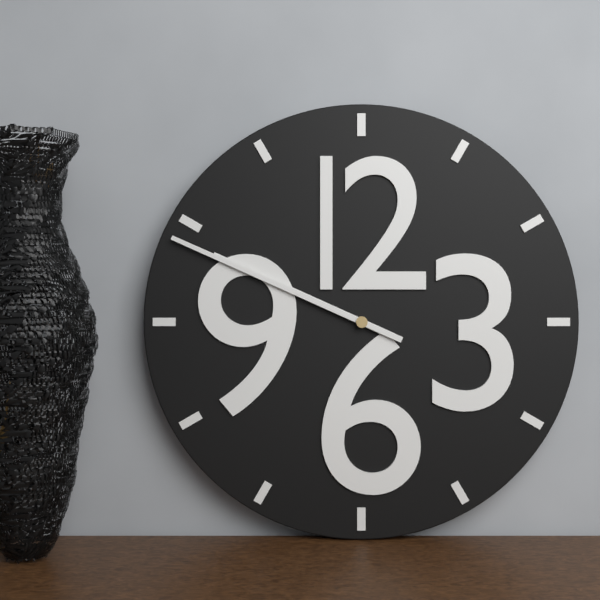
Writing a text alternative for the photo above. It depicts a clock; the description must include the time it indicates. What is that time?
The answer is 9:49
